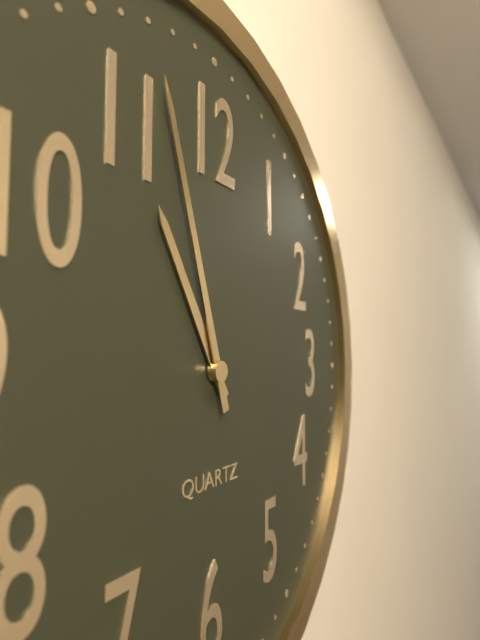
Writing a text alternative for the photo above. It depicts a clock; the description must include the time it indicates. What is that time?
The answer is 10:57
